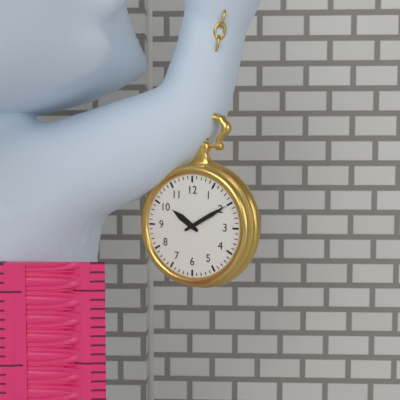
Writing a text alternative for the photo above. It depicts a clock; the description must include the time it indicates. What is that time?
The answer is 10:10
